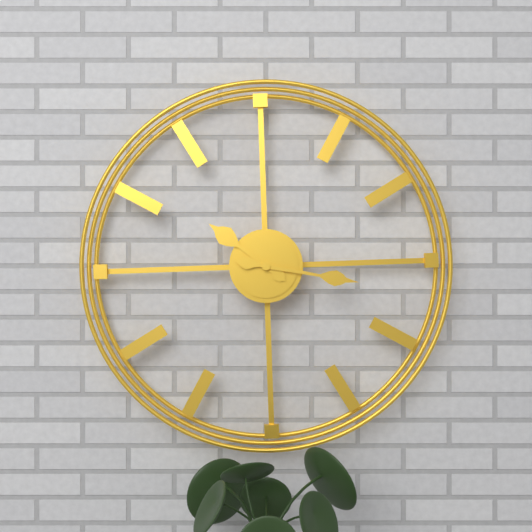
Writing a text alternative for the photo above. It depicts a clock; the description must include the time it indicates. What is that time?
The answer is 10:17
